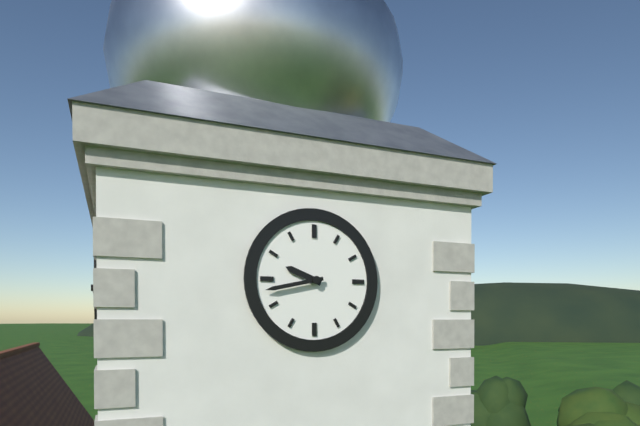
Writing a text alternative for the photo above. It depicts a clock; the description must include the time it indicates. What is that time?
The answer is 9:43
